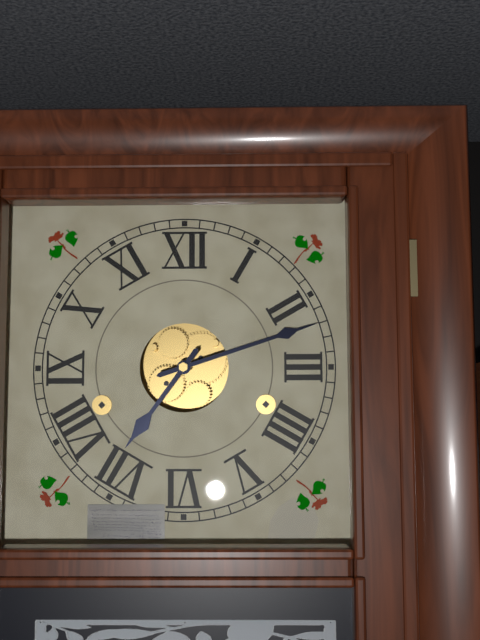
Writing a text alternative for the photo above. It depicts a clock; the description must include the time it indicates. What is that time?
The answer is 7:12
